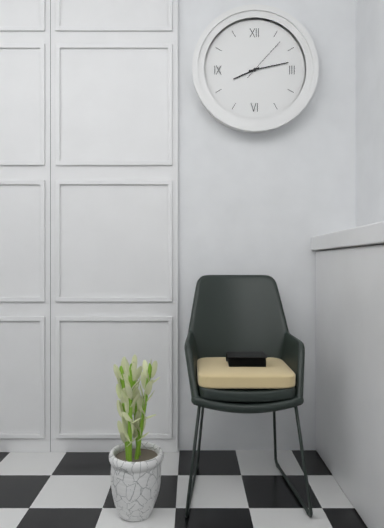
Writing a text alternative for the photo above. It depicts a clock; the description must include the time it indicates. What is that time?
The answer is 8:13
